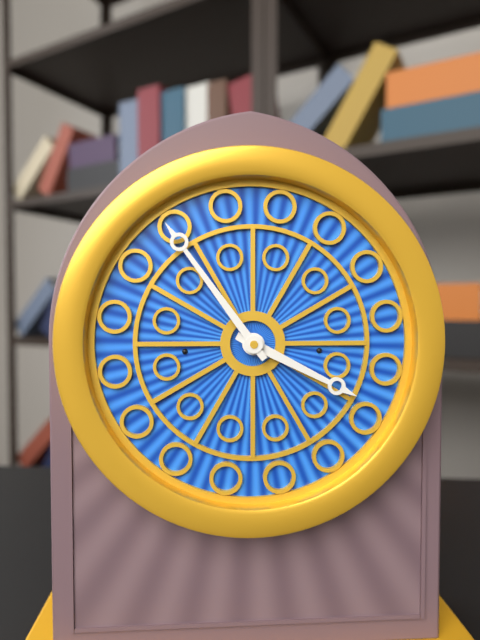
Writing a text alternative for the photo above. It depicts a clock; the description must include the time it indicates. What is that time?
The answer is 3:54
